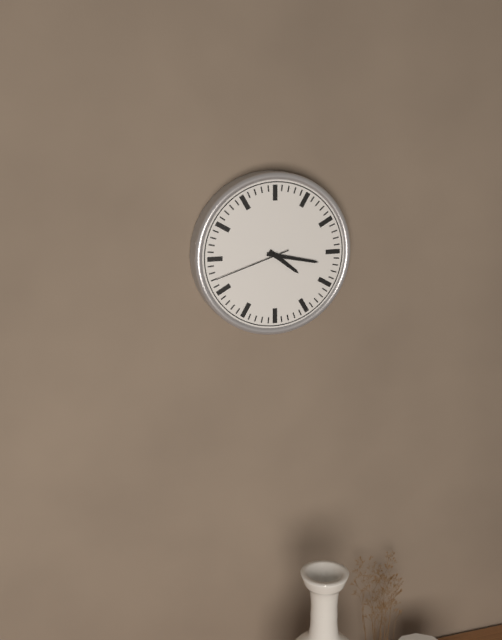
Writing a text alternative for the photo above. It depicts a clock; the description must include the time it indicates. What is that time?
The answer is 4:17:42
